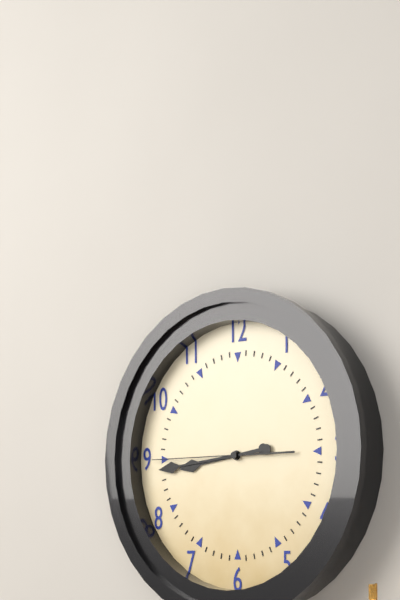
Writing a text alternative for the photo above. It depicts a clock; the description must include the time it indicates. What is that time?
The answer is 8:44:45
